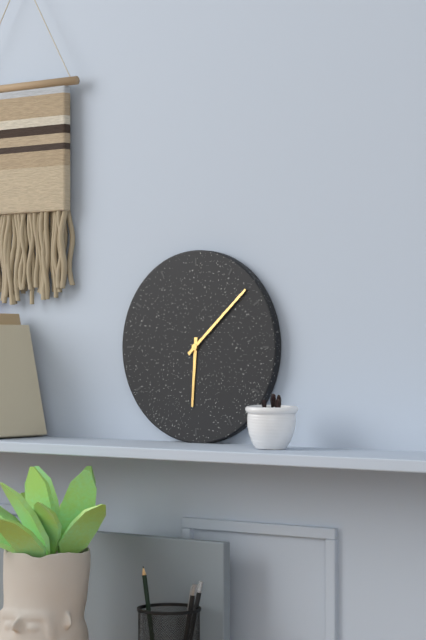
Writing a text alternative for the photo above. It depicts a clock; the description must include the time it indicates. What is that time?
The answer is 6:08
